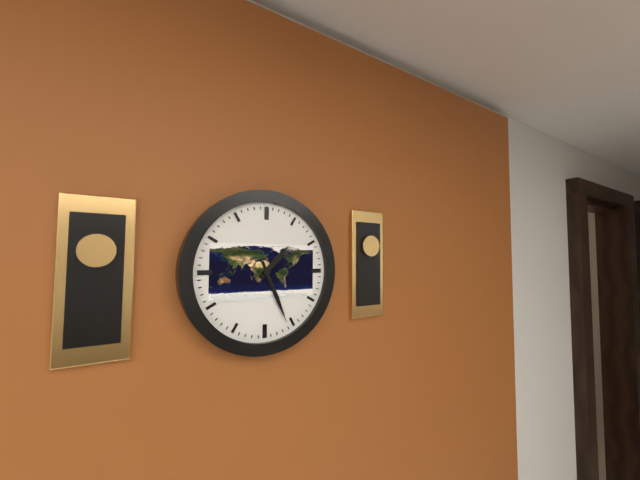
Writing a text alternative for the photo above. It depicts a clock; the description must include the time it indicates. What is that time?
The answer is 1:26
